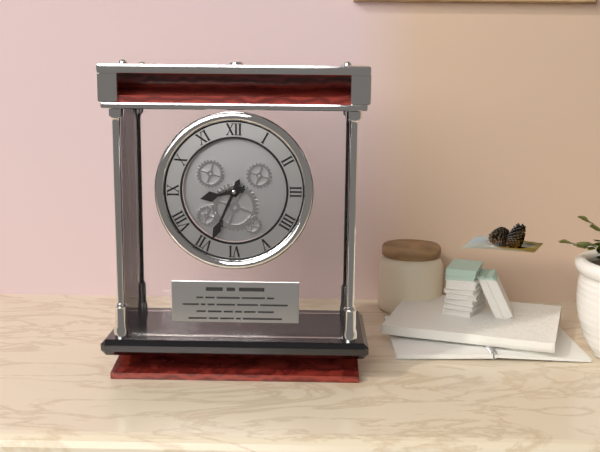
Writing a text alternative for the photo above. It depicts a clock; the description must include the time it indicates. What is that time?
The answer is 8:34
